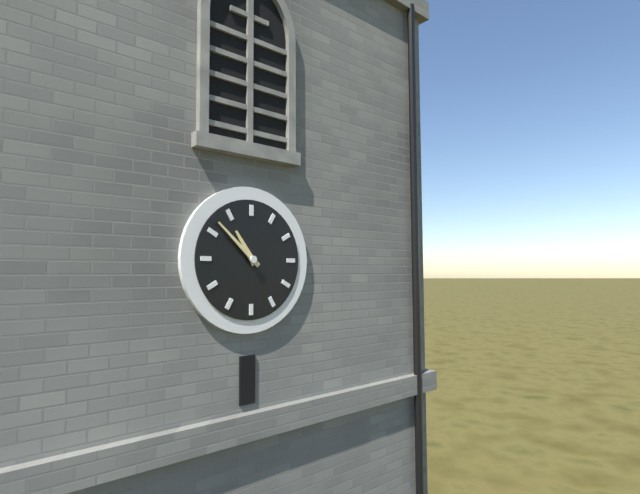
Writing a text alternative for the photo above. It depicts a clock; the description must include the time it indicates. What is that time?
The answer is 10:52
